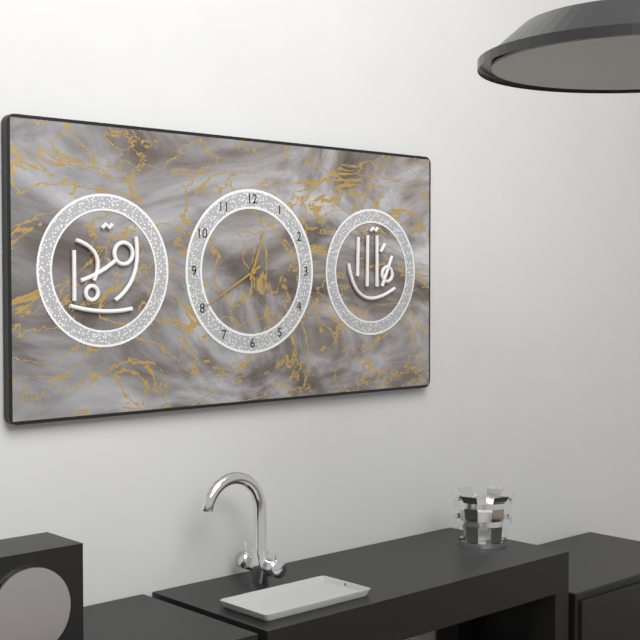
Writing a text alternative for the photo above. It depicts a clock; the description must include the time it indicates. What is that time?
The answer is 12:40
